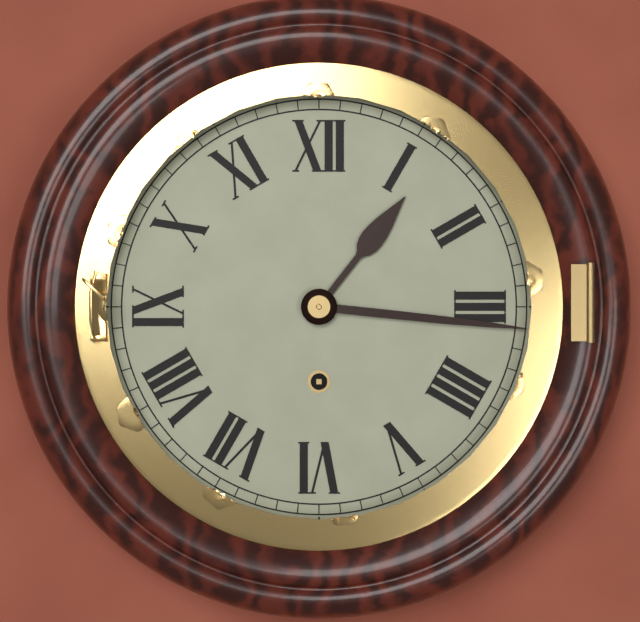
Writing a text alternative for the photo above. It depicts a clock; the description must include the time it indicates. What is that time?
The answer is 1:16
